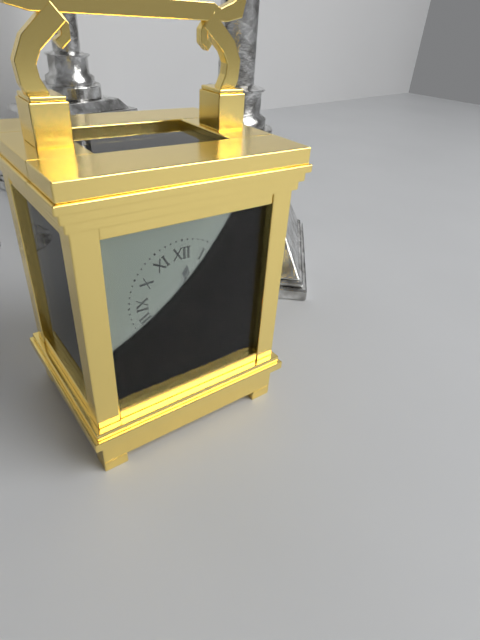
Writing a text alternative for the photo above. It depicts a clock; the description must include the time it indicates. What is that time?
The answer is 12:19
